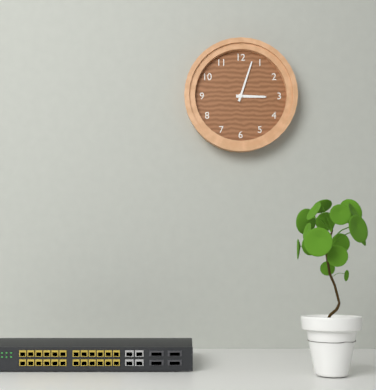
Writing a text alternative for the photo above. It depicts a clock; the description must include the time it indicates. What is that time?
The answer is 3:03
